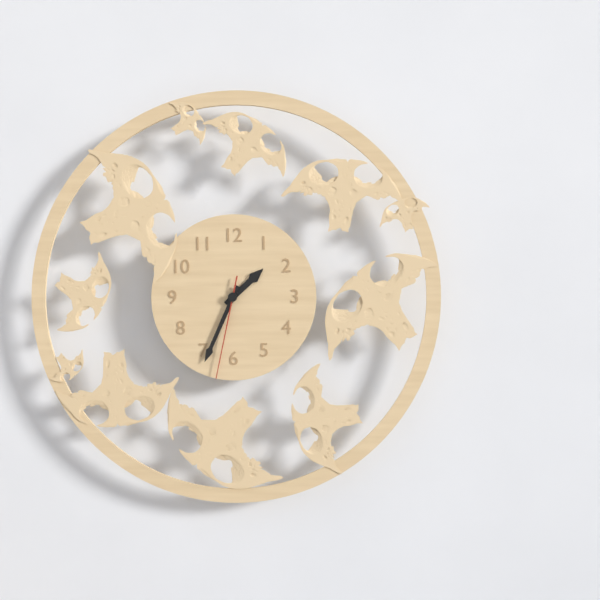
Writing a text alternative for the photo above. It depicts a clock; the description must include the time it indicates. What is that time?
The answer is 1:34:32
